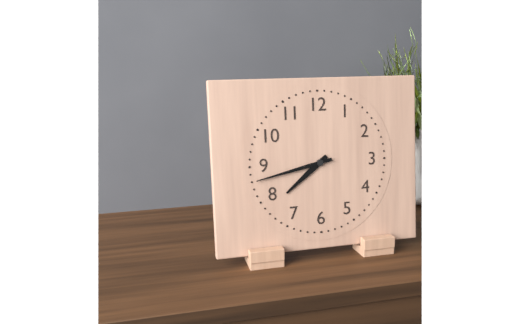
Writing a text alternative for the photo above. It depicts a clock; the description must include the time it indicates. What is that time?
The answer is 7:43
